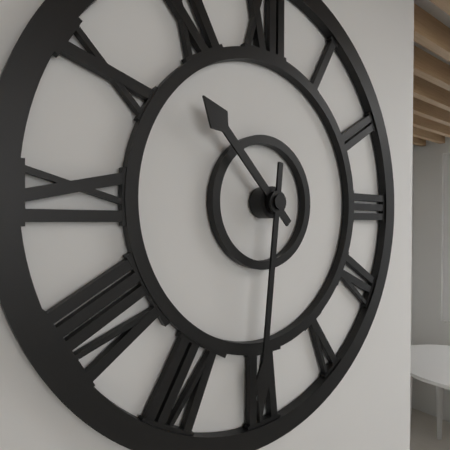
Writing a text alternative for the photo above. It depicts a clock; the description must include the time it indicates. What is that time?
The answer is 10:31
